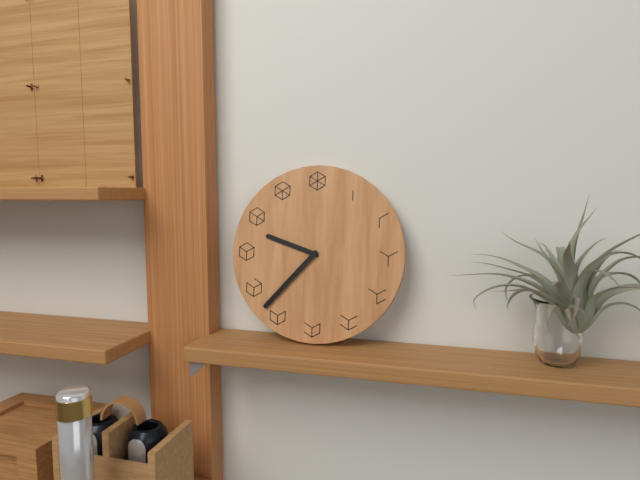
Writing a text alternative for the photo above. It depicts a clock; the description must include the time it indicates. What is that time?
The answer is 9:37
